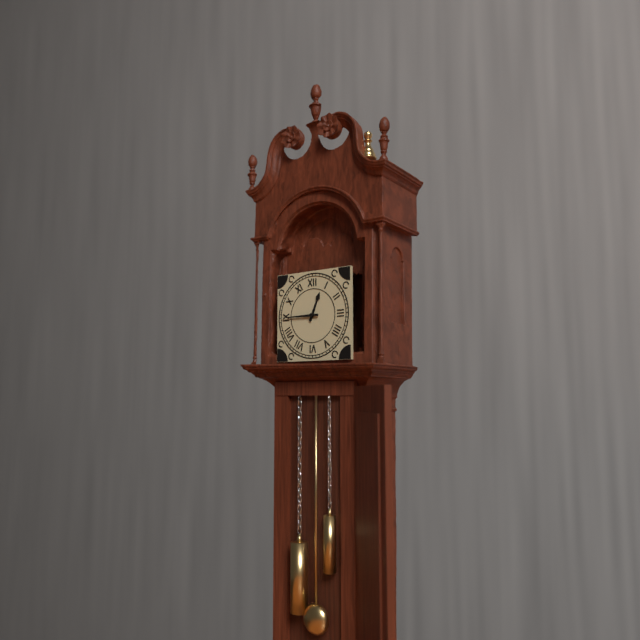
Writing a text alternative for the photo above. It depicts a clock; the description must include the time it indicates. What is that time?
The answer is 12:45
